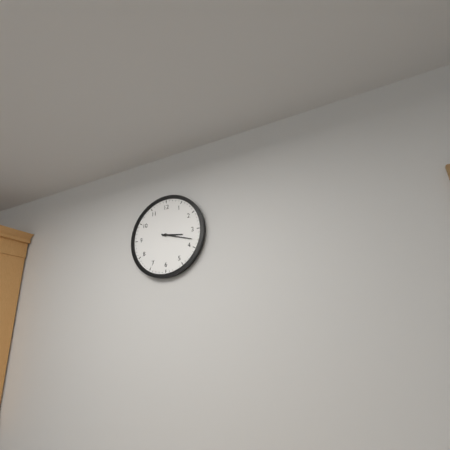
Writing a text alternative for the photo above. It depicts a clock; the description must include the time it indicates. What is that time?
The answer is 3:18
